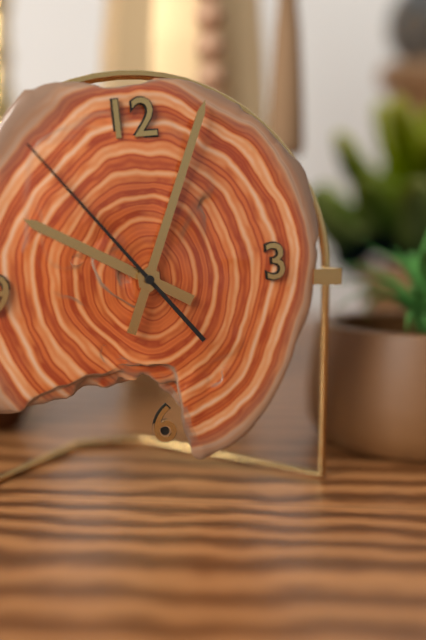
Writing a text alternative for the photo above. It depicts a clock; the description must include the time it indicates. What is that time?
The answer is 10:04:54
